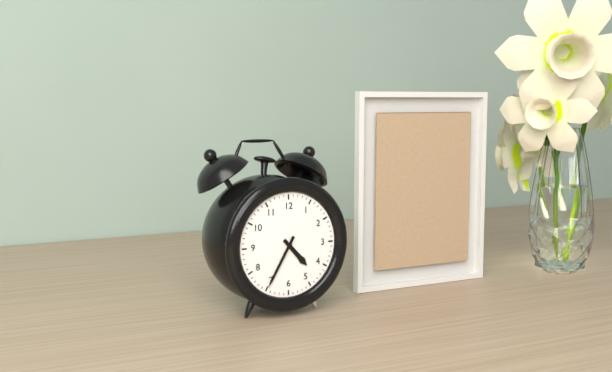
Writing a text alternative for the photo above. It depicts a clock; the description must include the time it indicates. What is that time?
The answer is 4:35
